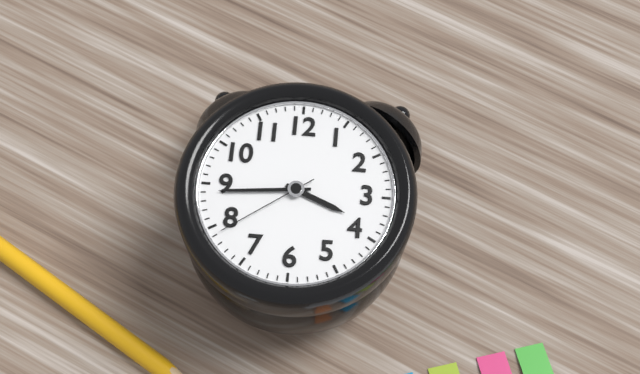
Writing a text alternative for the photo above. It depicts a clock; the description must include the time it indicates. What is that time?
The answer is 3:44:39
